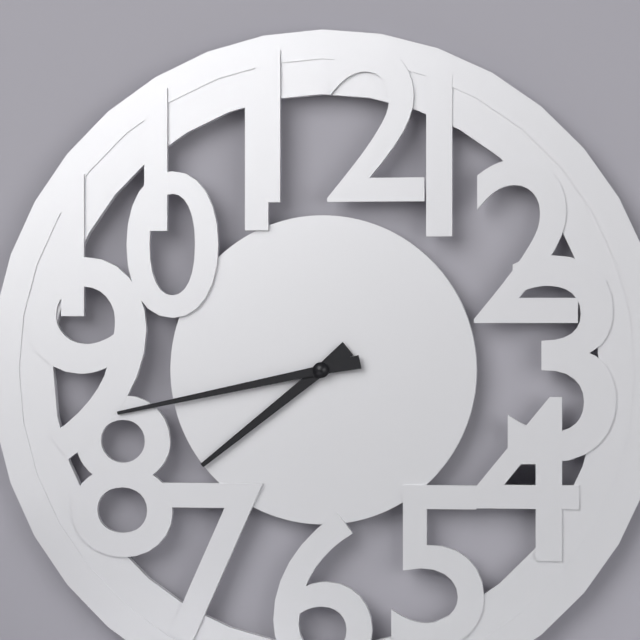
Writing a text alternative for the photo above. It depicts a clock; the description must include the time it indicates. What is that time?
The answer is 7:43
